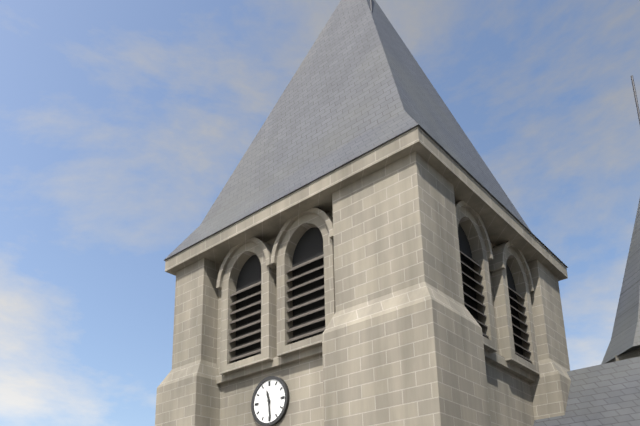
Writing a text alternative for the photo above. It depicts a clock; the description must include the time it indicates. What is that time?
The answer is 11:29
